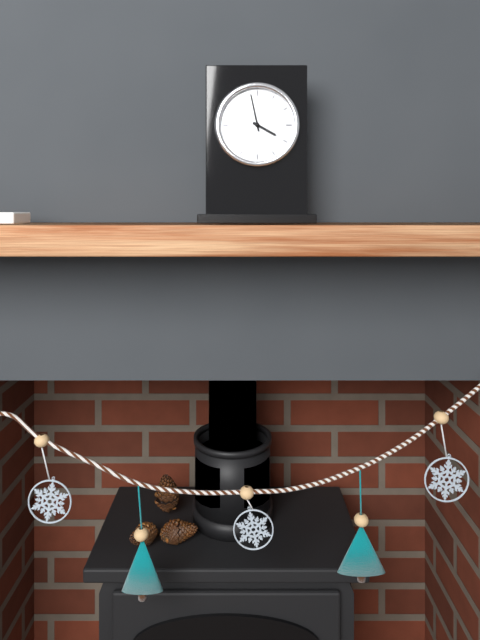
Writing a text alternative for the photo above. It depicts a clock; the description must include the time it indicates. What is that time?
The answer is 3:58
